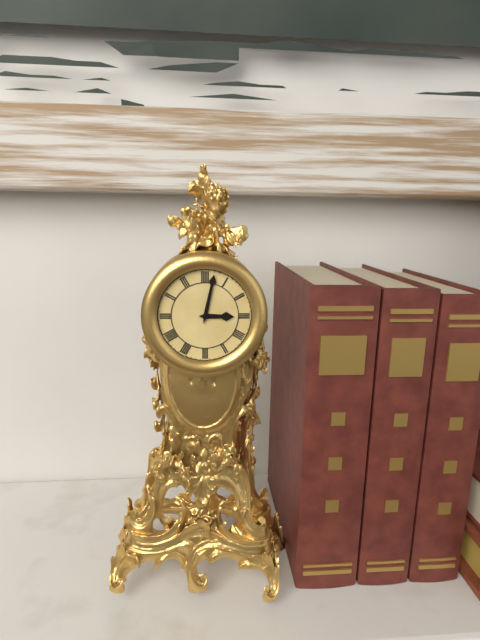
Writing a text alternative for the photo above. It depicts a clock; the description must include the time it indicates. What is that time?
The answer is 3:02
